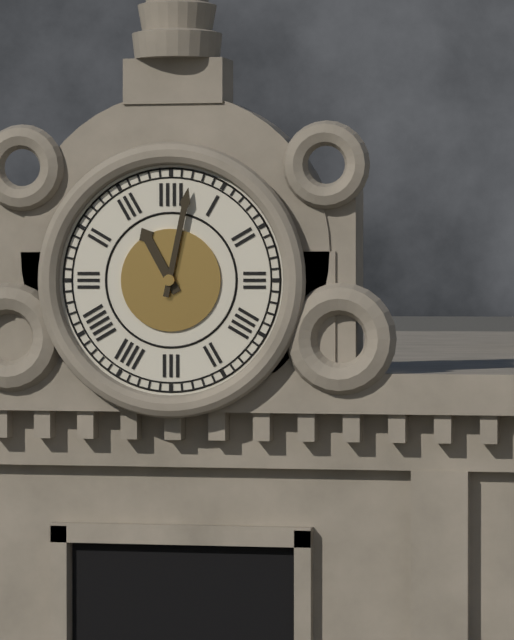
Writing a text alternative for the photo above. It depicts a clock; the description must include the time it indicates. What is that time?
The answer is 11:02
